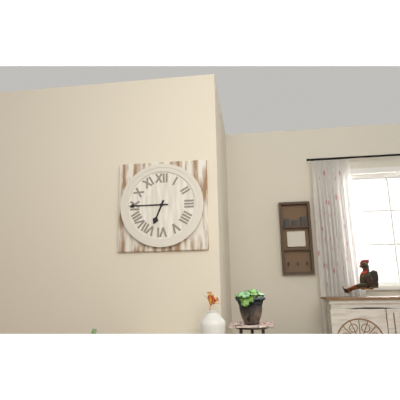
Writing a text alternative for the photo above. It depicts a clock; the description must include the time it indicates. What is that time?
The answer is 6:45
